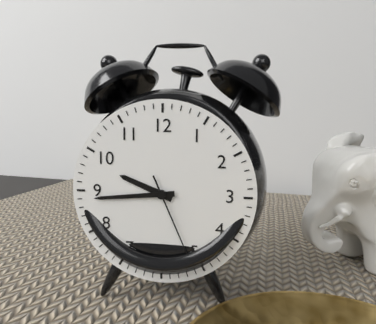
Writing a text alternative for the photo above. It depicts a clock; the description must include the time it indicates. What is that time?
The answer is 9:44:26
